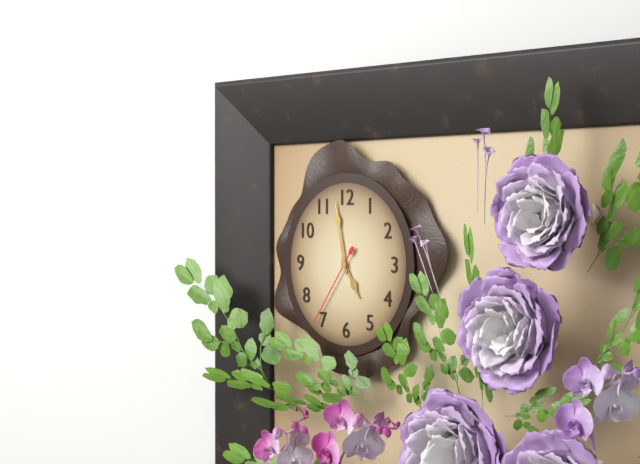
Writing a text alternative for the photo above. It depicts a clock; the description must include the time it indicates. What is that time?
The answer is 4:58:36
